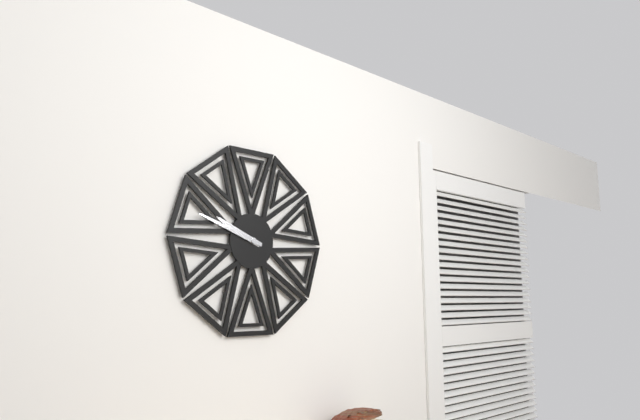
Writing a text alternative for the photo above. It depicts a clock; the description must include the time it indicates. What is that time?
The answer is 9:48
